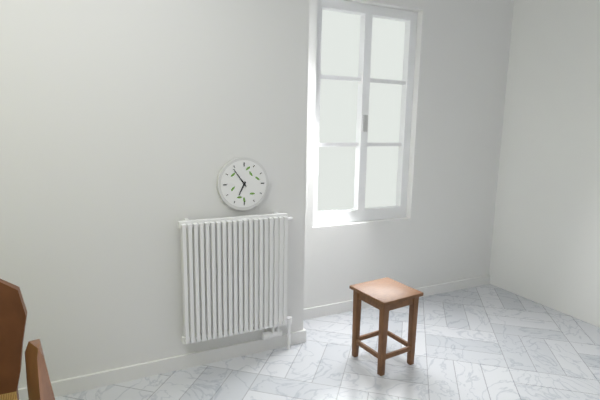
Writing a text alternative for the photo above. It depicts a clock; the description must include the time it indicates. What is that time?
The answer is 6:54
